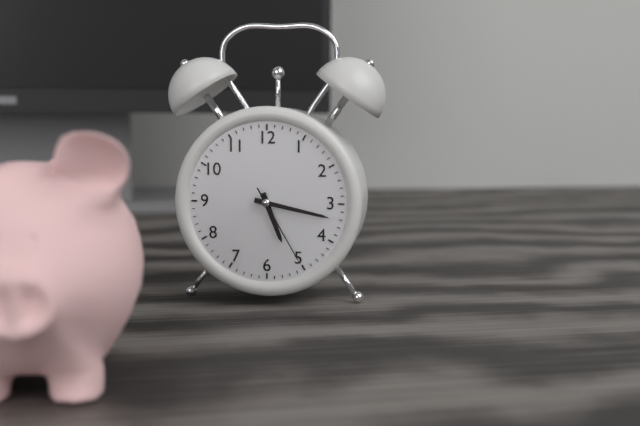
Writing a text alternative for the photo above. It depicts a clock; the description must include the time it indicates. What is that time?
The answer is 5:17:25
